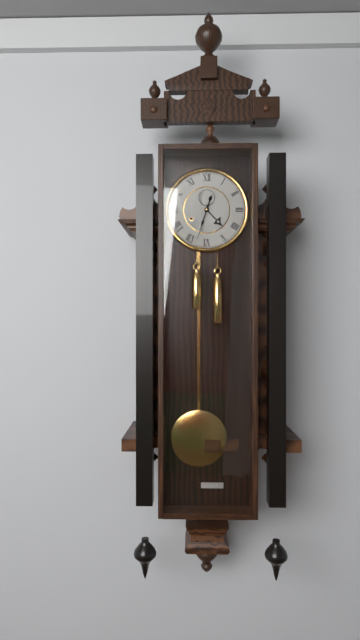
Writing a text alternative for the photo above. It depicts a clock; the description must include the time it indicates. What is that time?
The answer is 4:33
